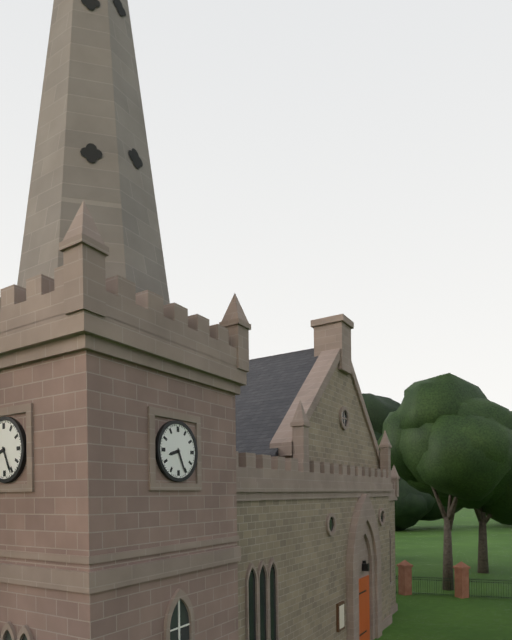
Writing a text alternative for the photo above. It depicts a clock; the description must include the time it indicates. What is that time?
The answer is 8:26
